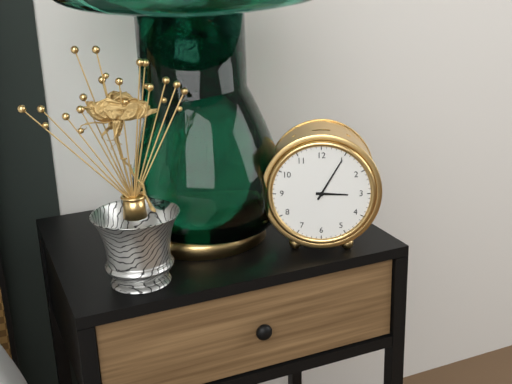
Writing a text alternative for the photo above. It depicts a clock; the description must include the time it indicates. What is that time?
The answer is 3:05
